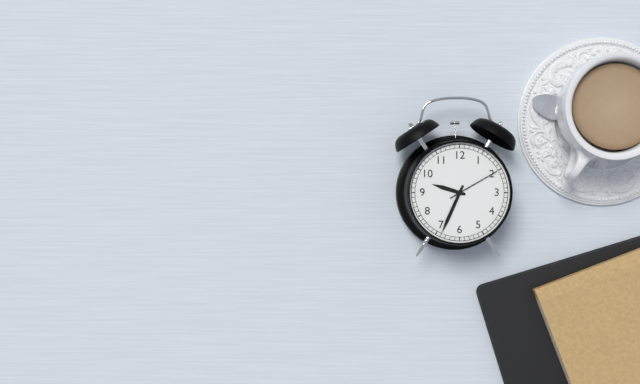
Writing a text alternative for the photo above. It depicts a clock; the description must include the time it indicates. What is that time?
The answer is 9:34:10
